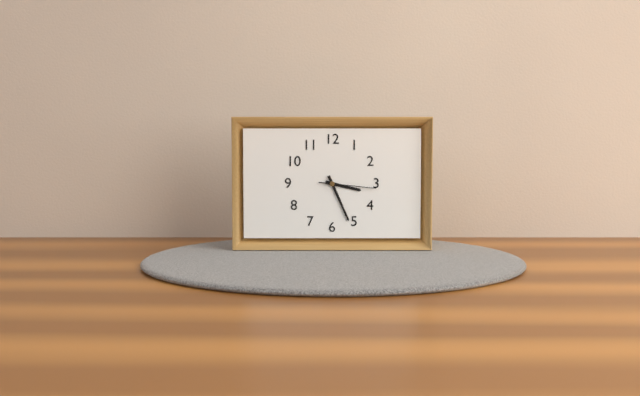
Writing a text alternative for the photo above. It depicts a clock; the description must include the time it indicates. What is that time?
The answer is 3:26:16
